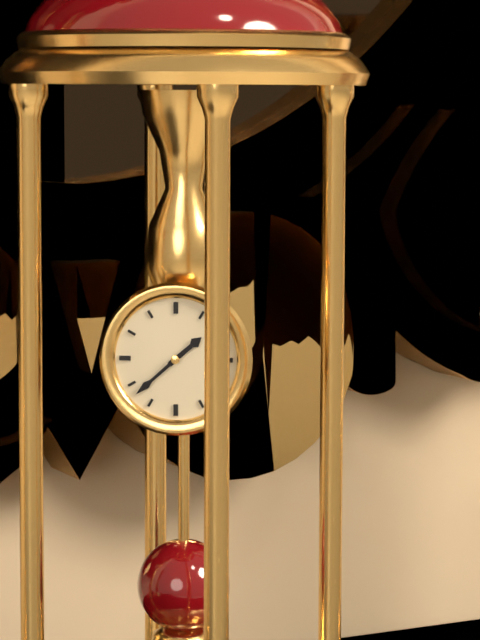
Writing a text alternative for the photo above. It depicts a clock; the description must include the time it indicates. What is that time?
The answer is 1:38
